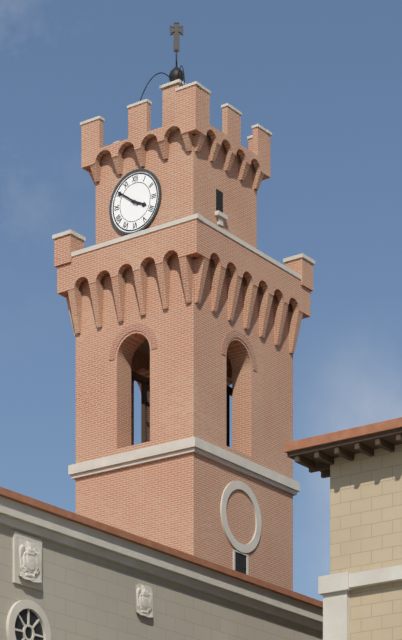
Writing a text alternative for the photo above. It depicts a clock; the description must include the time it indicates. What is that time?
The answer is 3:51
